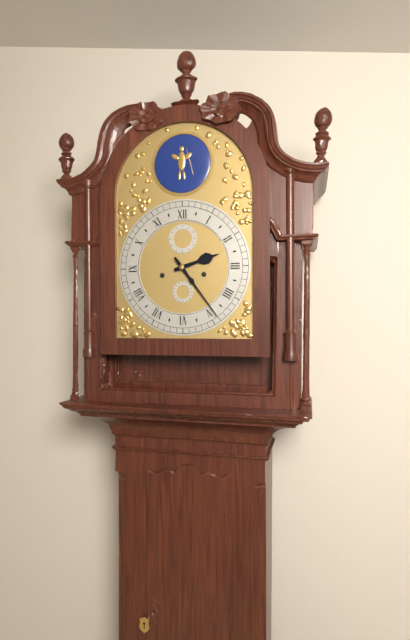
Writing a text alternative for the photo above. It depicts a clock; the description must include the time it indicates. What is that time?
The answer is 2:24
